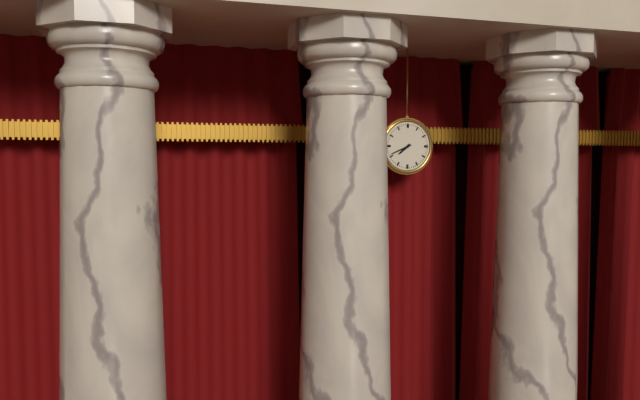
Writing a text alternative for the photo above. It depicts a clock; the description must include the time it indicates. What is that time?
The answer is 7:41
